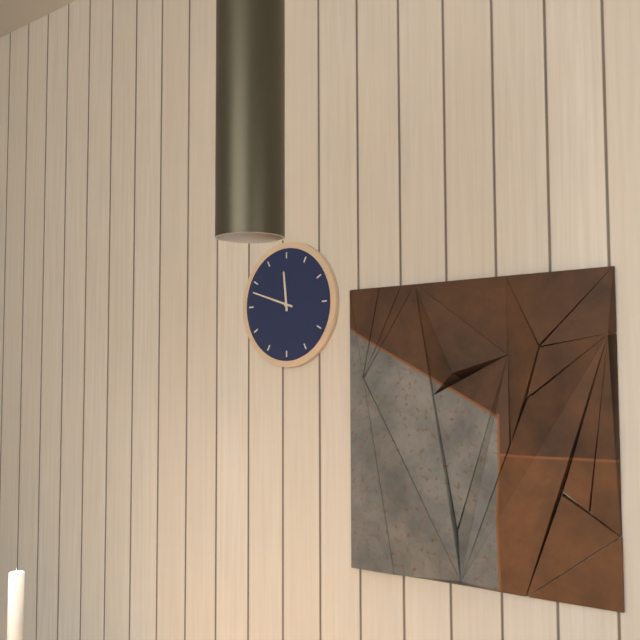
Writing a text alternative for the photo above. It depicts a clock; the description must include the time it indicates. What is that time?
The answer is 11:48
